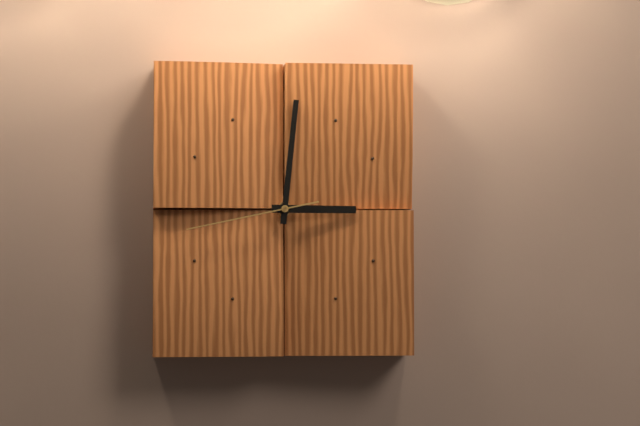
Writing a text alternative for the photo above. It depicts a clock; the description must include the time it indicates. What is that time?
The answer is 3:01:43
